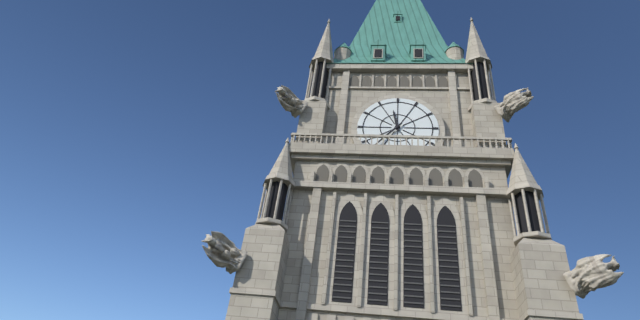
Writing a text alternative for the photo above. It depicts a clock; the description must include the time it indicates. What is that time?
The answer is 11:37
